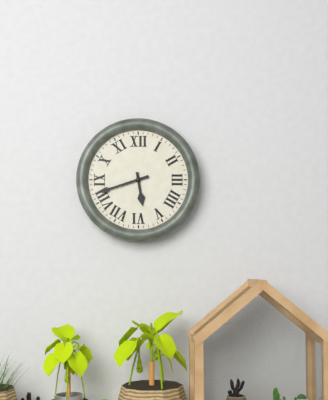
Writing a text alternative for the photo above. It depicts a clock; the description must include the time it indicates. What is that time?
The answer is 5:42
